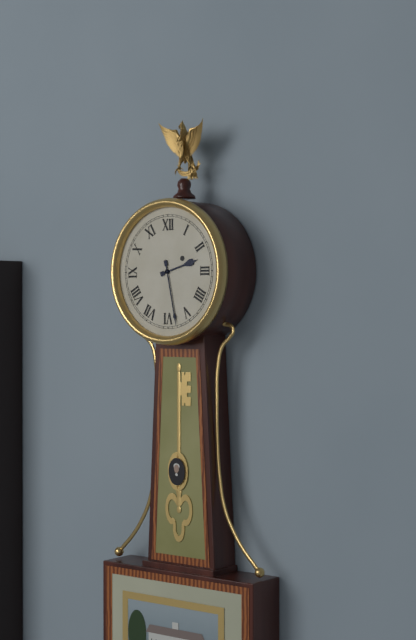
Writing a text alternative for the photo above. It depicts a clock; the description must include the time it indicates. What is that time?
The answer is 2:28
